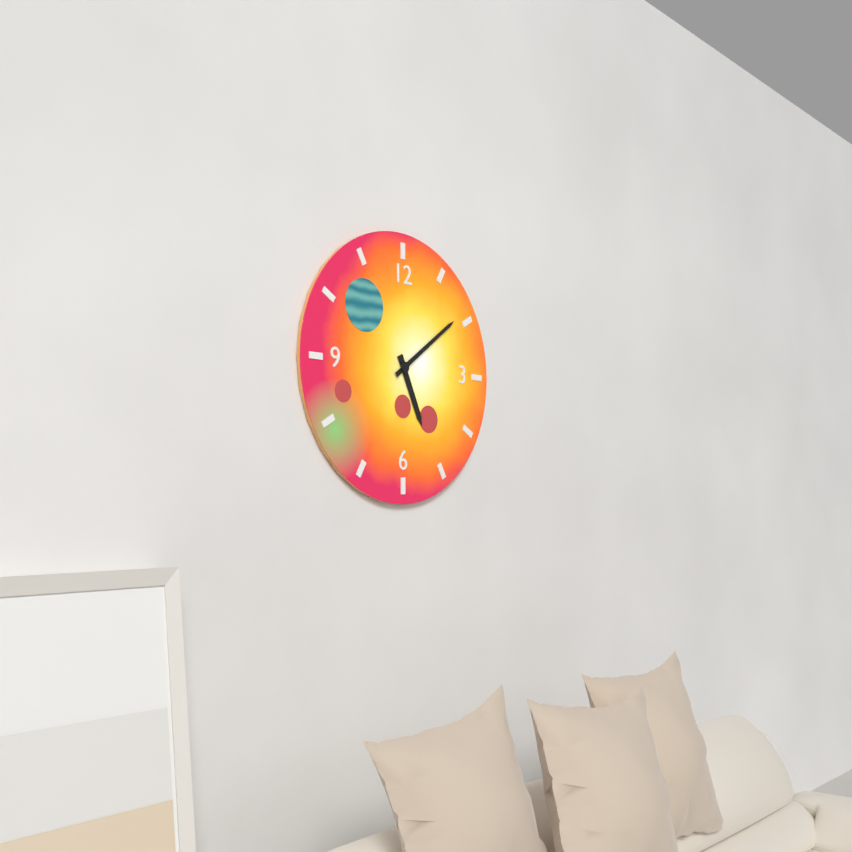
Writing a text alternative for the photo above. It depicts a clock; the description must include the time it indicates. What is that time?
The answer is 5:09
